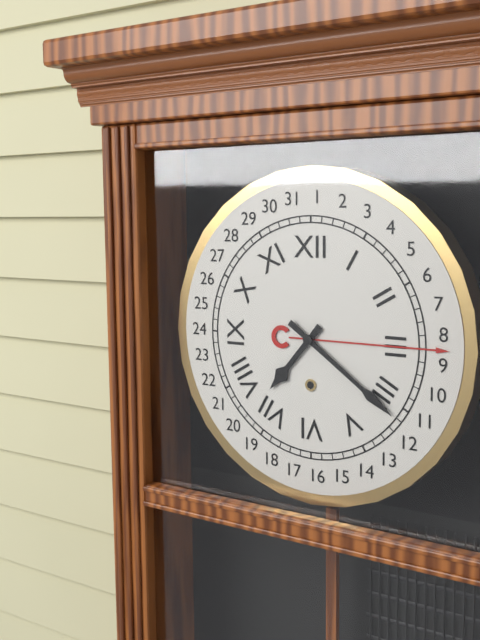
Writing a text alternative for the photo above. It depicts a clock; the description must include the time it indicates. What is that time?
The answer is 7:21
